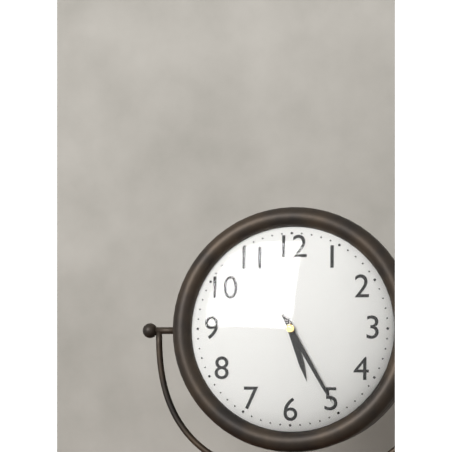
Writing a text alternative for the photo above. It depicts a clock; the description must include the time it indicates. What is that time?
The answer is 5:25
